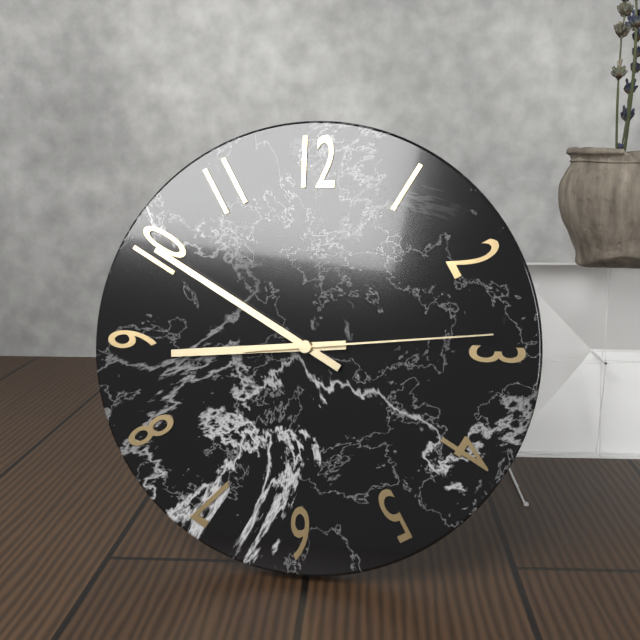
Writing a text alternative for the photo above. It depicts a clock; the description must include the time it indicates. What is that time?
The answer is 8:50:14
